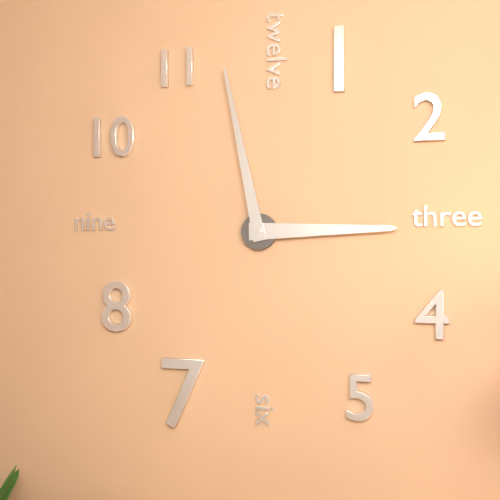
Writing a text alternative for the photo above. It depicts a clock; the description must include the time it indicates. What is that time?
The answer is 2:58
